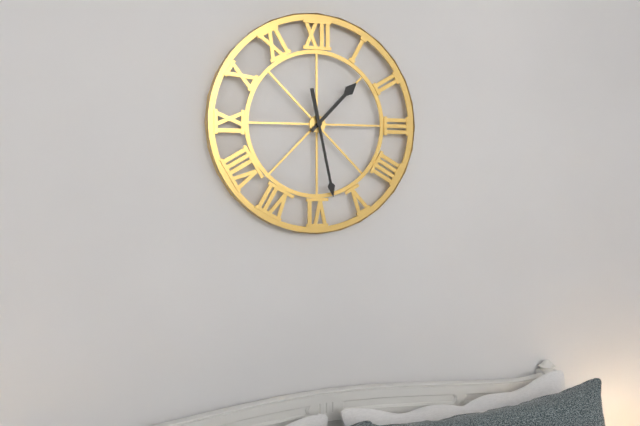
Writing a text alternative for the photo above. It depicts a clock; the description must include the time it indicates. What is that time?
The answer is 1:28
